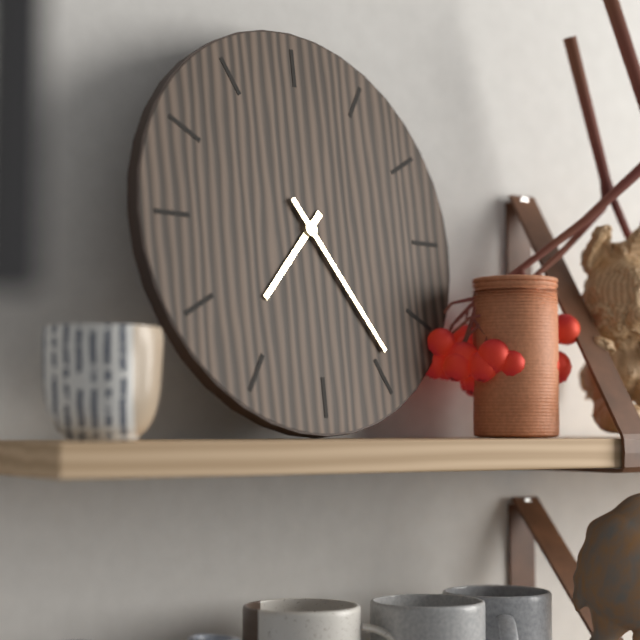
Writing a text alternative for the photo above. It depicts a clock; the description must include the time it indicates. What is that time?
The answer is 7:24
